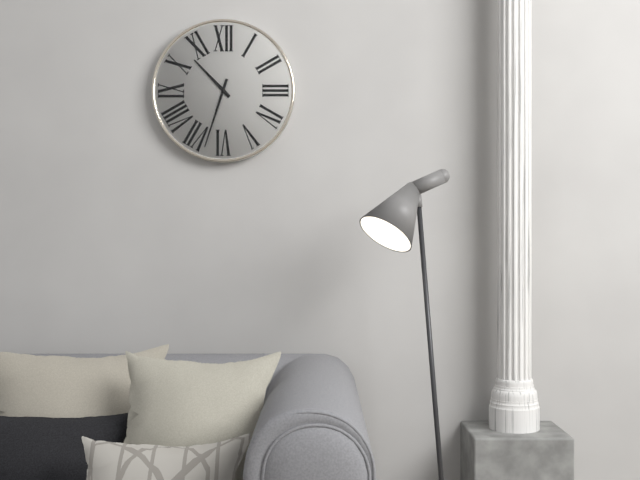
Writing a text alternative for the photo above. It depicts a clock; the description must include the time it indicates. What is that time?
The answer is 10:33
